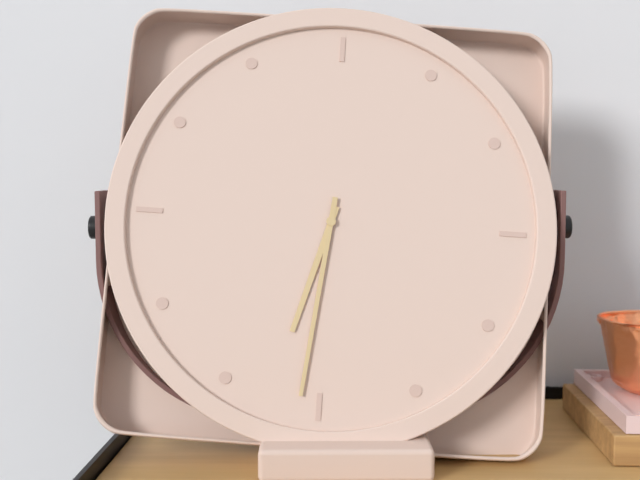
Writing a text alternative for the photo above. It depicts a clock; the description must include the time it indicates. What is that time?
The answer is 6:31
